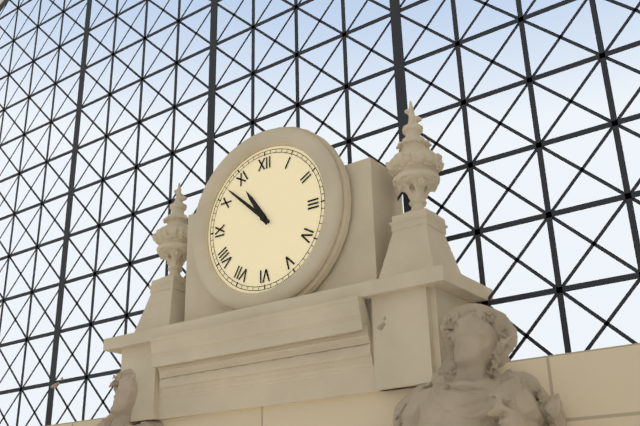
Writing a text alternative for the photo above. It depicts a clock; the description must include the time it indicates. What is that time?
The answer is 10:52
